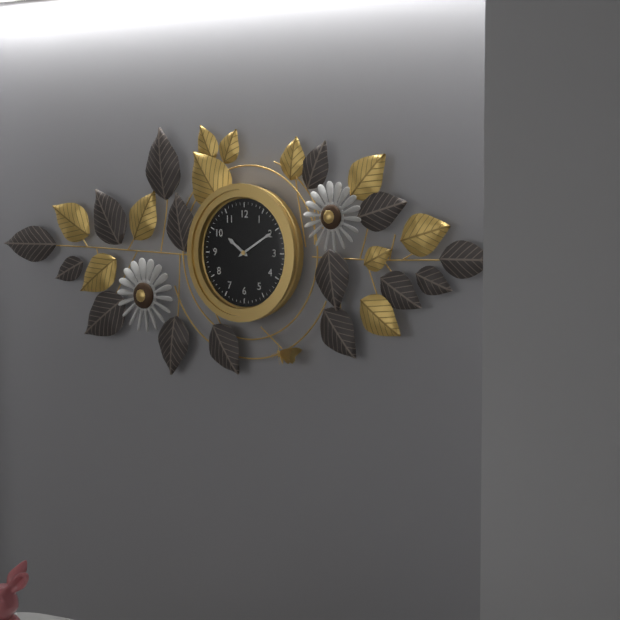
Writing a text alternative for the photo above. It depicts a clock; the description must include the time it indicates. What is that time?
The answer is 10:10
